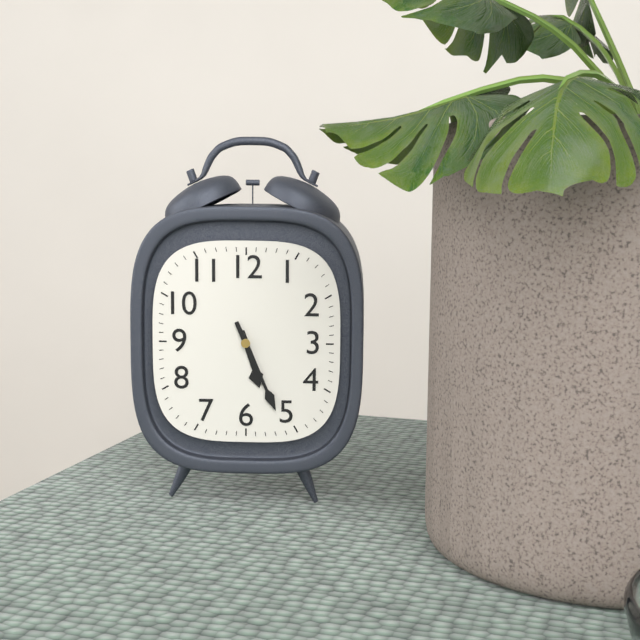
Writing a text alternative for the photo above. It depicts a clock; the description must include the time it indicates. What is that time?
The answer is 5:26
